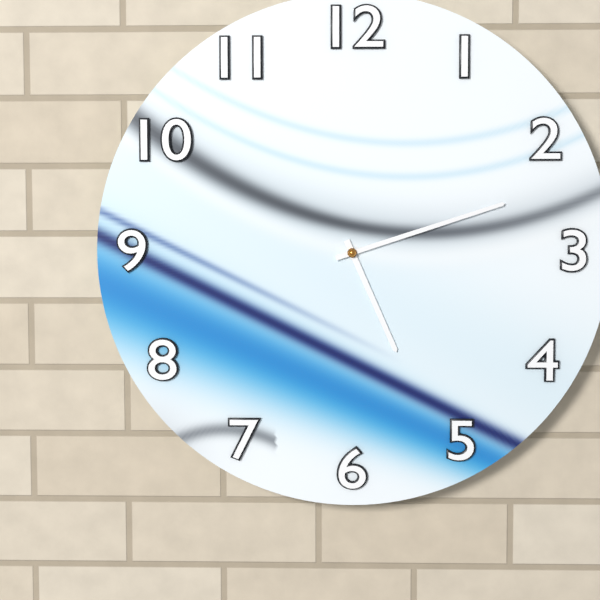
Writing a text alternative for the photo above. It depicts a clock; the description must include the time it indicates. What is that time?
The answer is 5:12
